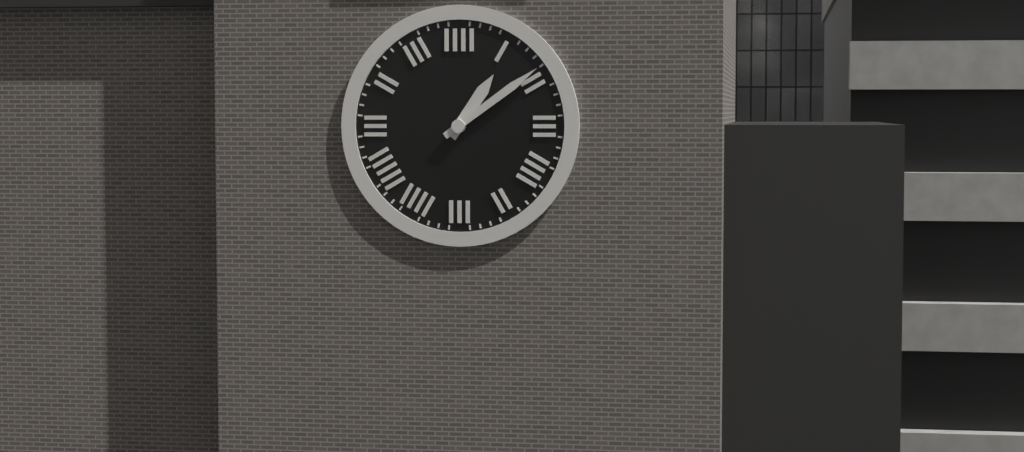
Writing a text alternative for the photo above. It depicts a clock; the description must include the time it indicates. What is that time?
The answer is 1:09
